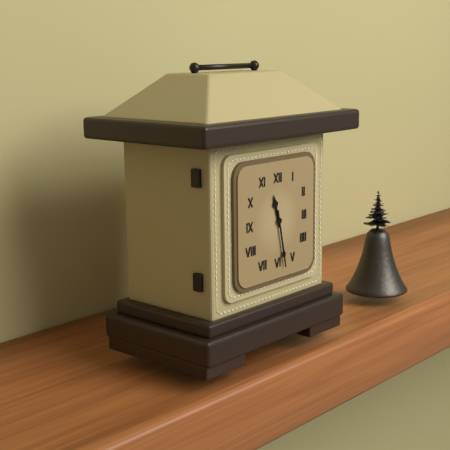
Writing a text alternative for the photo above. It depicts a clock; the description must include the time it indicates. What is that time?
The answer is 11:28
